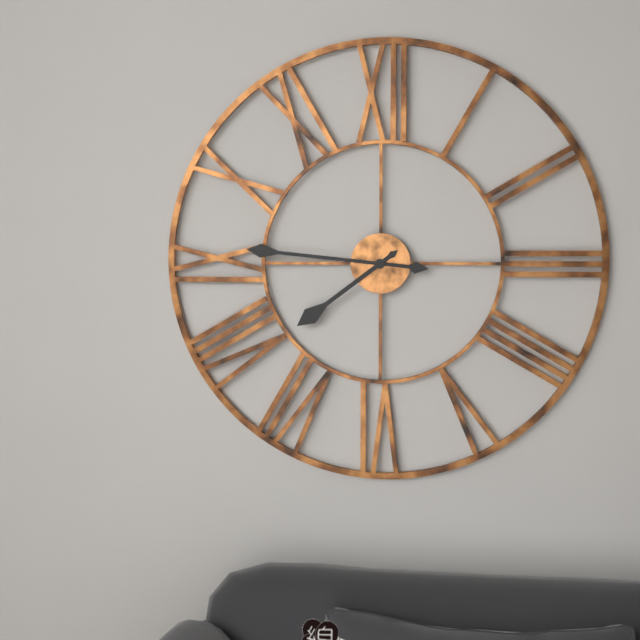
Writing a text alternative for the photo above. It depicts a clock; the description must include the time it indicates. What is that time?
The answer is 7:46
